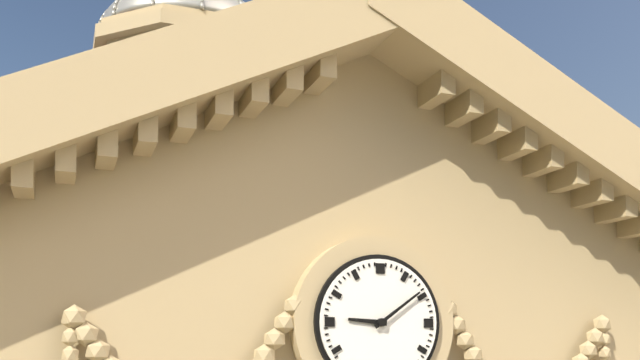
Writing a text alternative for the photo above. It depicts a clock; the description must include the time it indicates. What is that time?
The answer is 9:09
